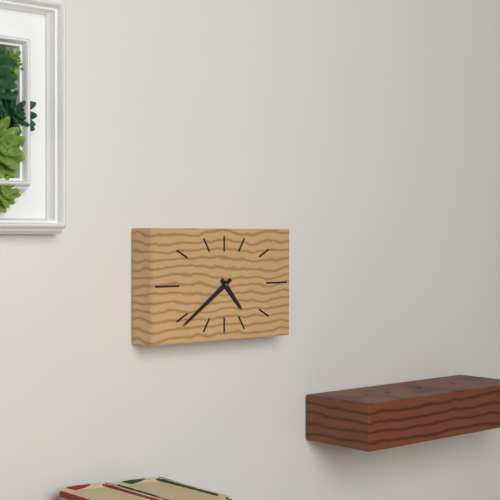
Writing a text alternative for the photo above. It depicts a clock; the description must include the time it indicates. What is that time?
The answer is 4:39
